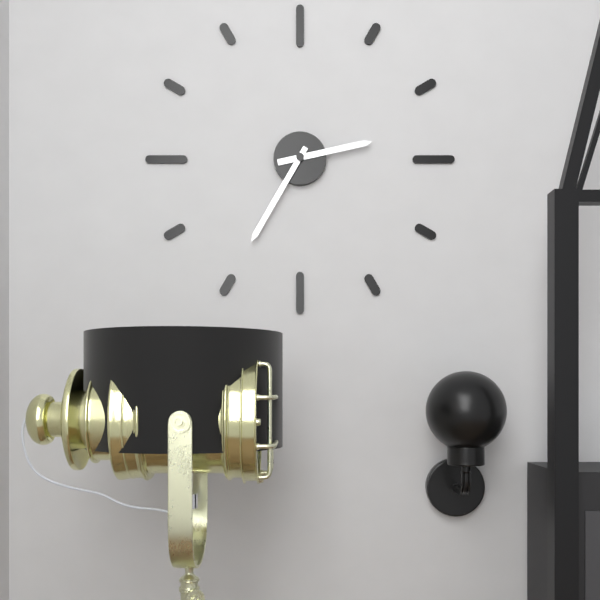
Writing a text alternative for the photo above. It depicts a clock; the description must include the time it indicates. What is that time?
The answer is 2:35
